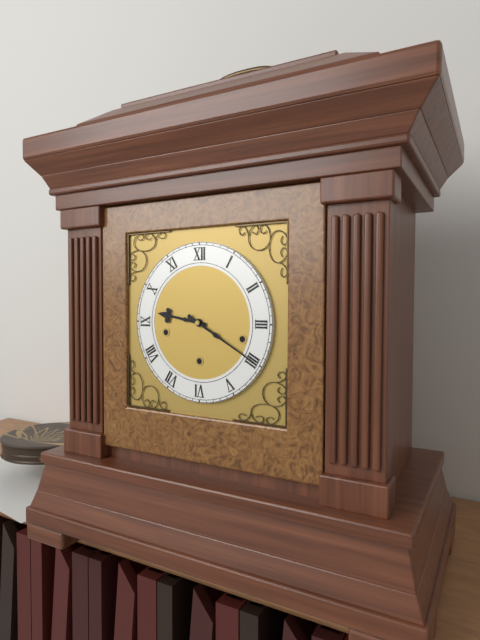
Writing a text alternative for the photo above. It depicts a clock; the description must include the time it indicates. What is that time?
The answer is 9:20
